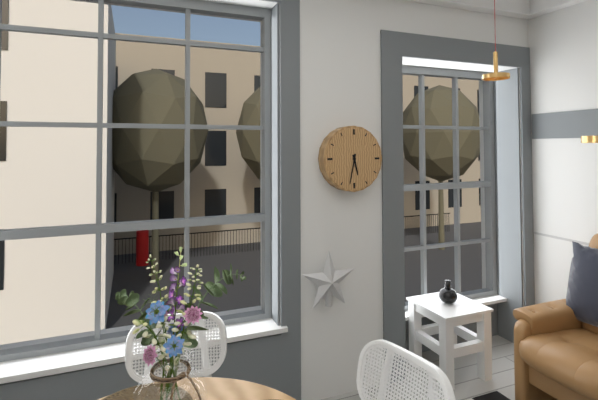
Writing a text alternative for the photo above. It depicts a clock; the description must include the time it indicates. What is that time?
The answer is 5:32
